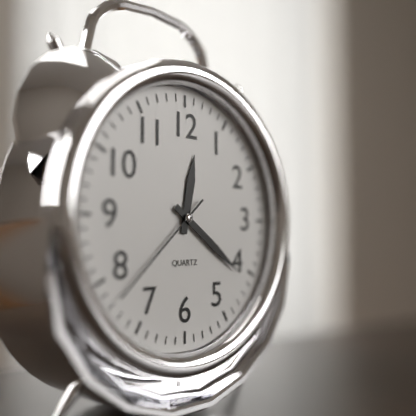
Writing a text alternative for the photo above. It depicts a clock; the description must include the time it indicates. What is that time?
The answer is 12:21:38
